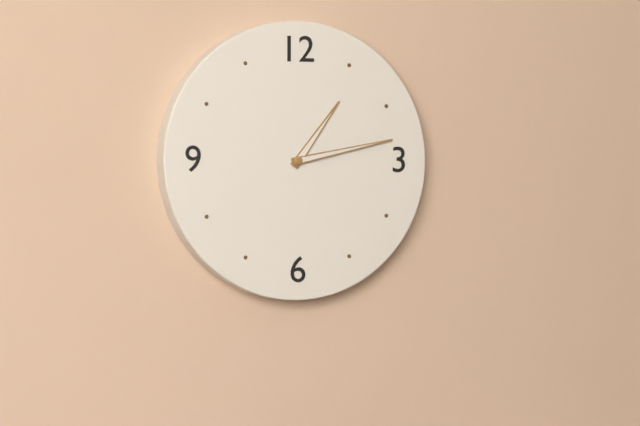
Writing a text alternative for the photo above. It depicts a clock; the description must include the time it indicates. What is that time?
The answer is 1:13
